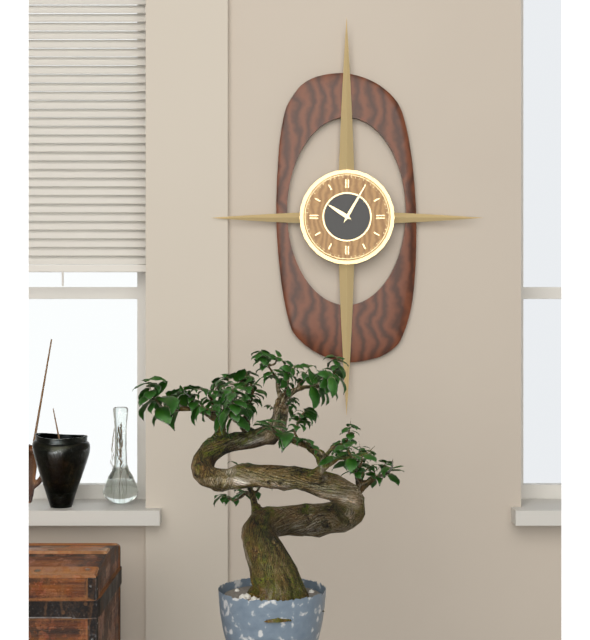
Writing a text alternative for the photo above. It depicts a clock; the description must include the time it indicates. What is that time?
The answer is 10:05
